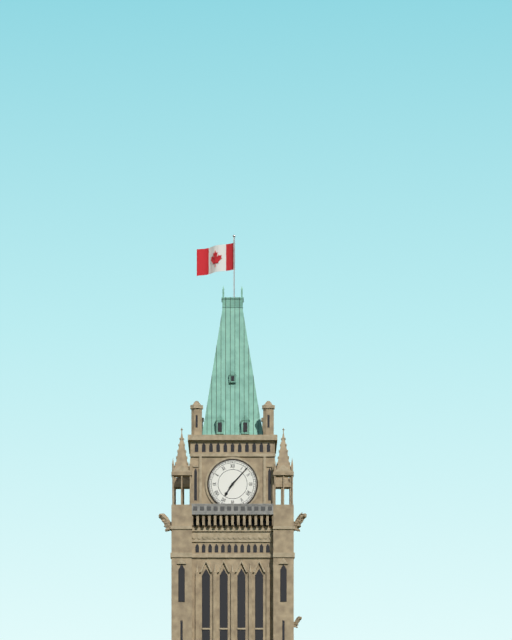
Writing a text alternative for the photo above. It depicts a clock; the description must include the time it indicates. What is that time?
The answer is 7:07
